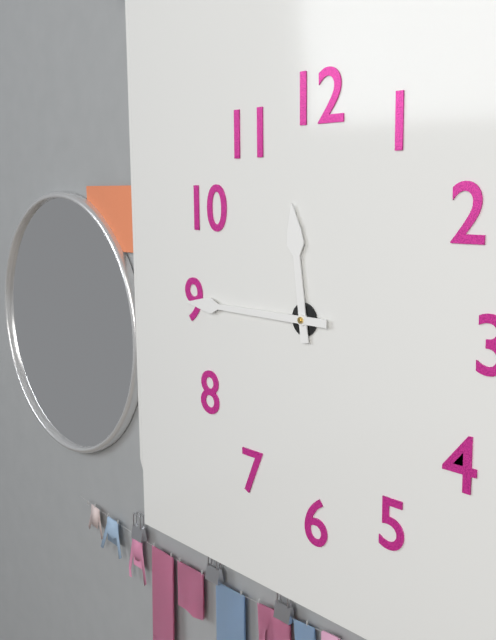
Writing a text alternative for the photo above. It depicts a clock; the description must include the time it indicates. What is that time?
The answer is 11:45
